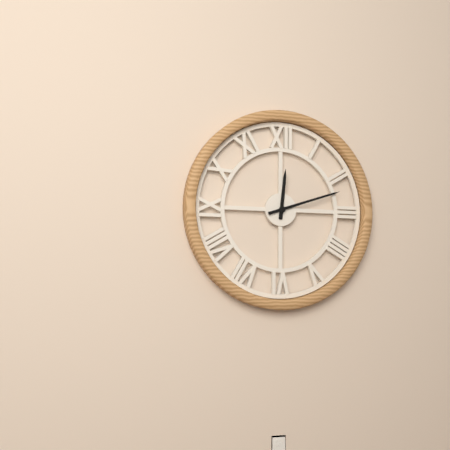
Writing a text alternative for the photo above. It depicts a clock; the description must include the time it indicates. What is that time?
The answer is 12:12
